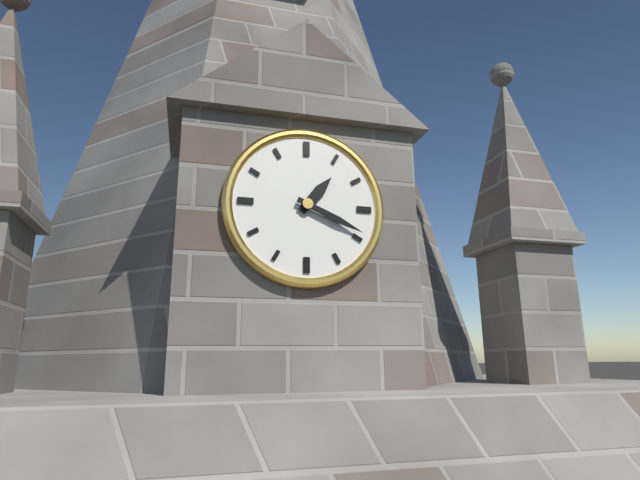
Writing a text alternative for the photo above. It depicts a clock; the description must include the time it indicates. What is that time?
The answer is 1:19
